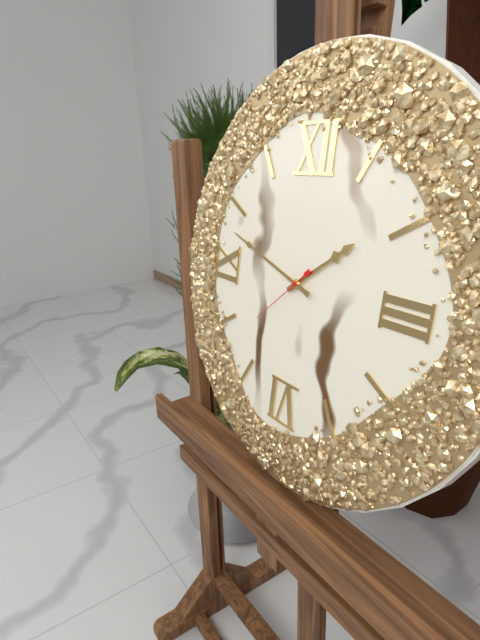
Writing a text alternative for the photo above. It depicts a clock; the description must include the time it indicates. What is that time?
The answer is 1:48:38
